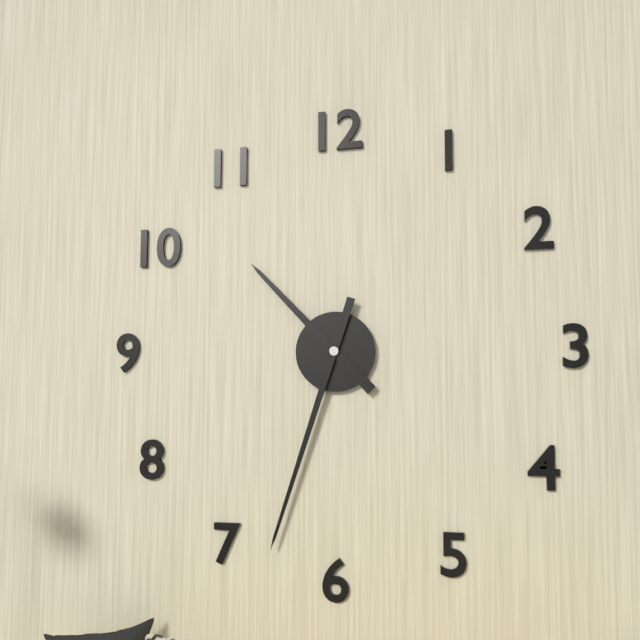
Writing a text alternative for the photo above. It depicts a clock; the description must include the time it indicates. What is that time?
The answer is 10:33
